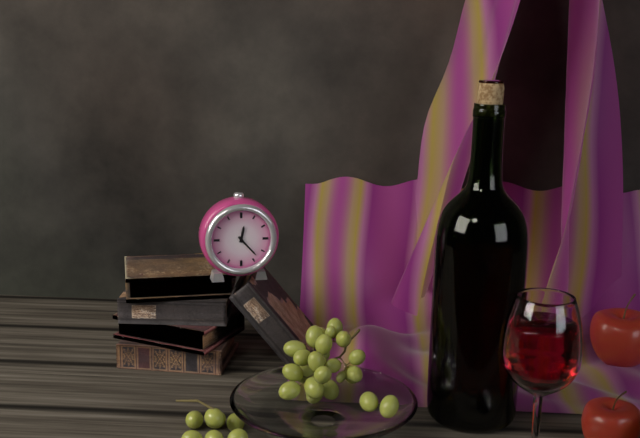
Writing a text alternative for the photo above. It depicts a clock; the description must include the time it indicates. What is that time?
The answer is 12:23
